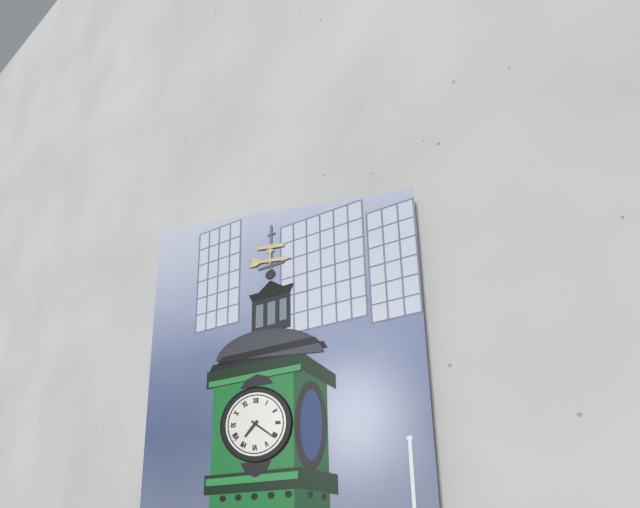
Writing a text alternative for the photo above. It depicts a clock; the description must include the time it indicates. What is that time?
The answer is 7:21
